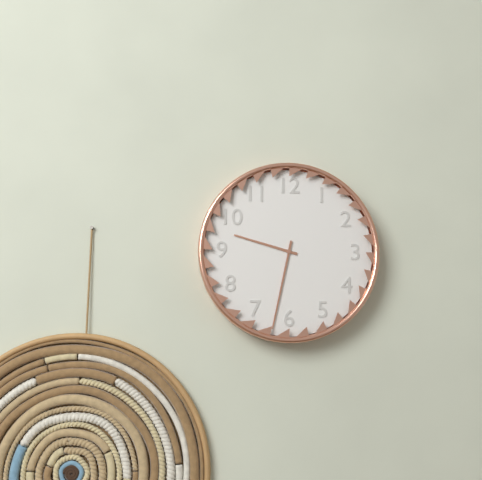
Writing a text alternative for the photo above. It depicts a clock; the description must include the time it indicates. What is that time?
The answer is 9:32
